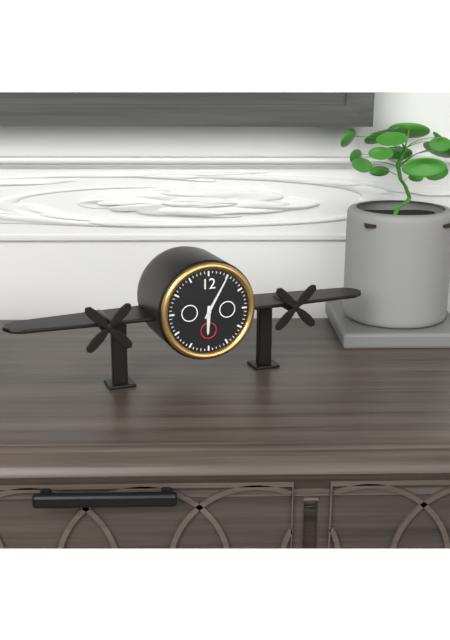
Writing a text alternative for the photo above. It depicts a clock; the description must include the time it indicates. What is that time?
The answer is 6:05
